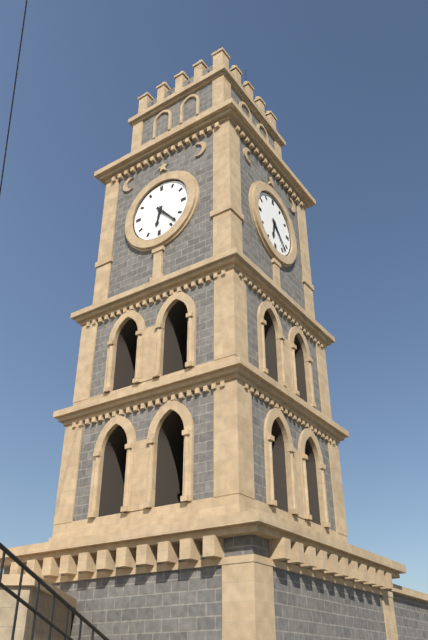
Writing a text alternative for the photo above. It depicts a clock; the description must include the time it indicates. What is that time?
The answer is 6:23
